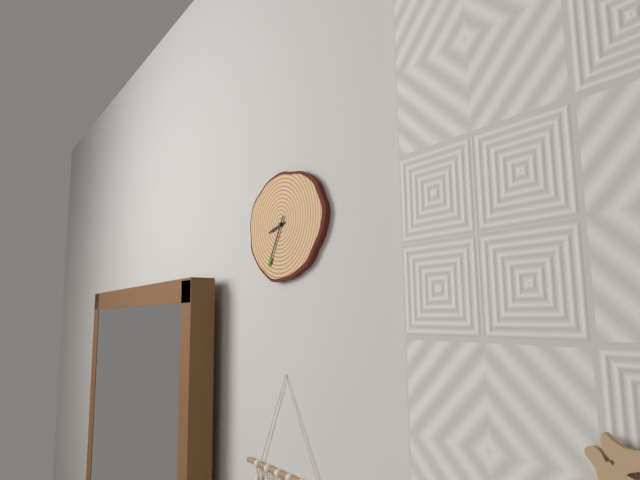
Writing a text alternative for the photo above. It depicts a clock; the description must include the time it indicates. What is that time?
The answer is 8:35
